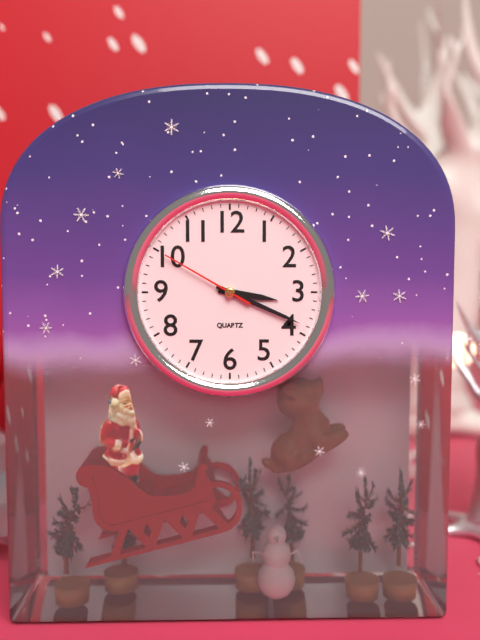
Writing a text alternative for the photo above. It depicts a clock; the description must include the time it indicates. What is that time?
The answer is 3:19:50
